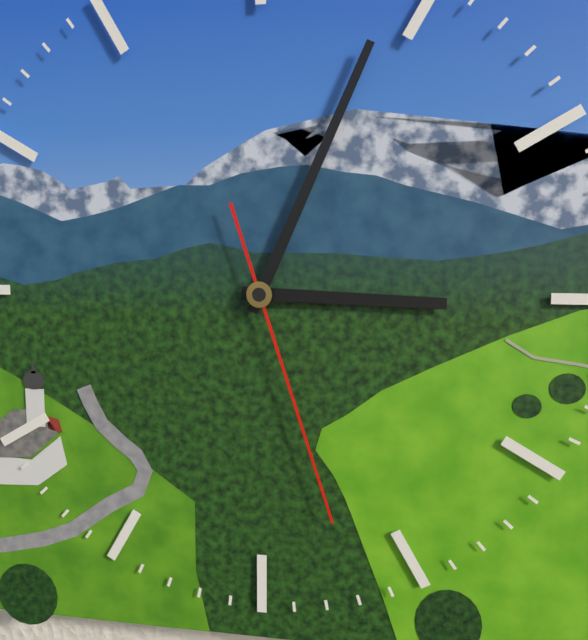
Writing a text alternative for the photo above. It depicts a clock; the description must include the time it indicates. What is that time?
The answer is 3:04:27
